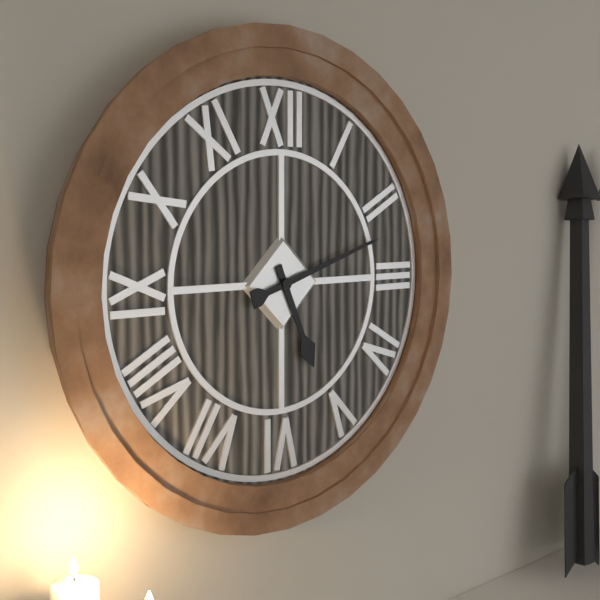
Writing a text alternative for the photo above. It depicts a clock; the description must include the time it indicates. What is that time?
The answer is 5:12
